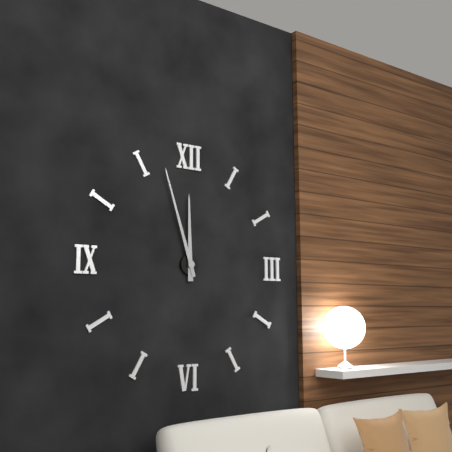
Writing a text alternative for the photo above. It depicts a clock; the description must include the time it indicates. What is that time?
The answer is 11:57
